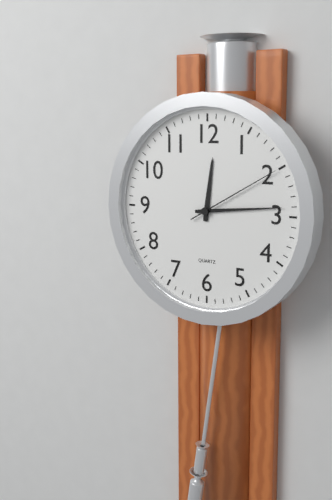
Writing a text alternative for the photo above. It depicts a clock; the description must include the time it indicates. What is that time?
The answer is 12:14:10
